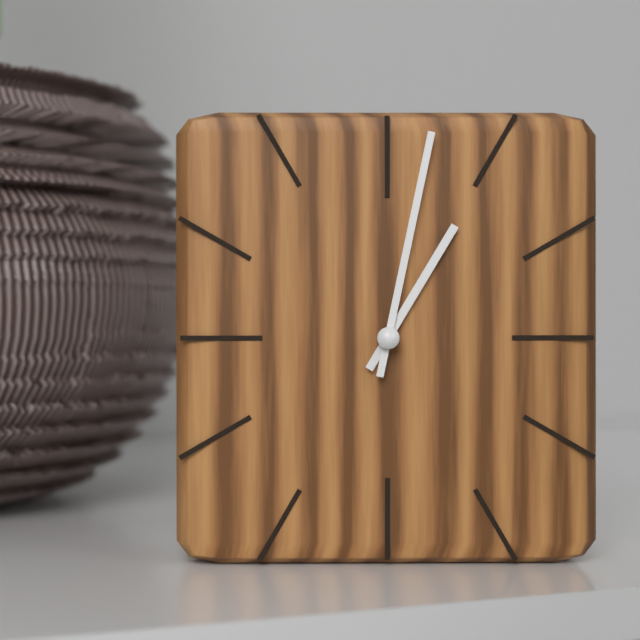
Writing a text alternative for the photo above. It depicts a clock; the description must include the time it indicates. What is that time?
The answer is 1:02
